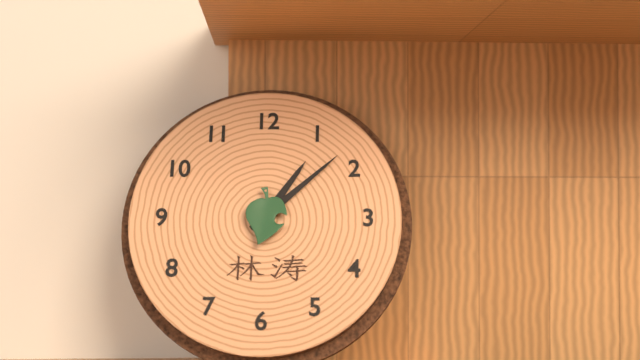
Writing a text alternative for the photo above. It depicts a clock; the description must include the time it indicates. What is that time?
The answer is 1:08
